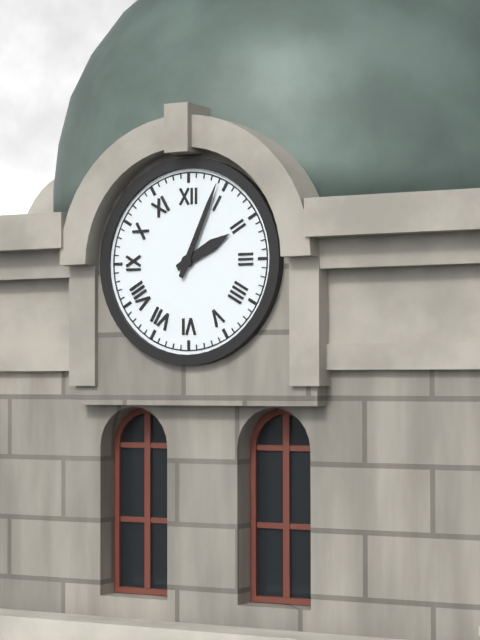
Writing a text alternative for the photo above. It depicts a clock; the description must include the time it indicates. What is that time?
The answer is 2:04
